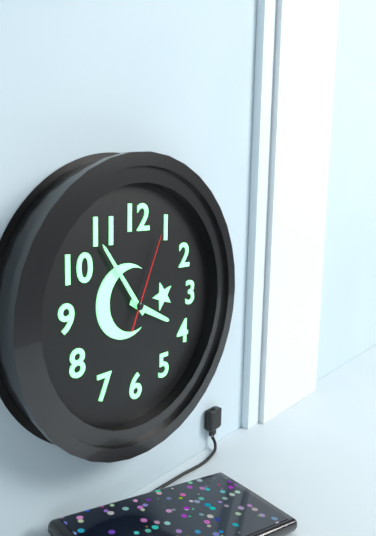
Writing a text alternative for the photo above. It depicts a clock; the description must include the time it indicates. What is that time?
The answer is 3:54:04
